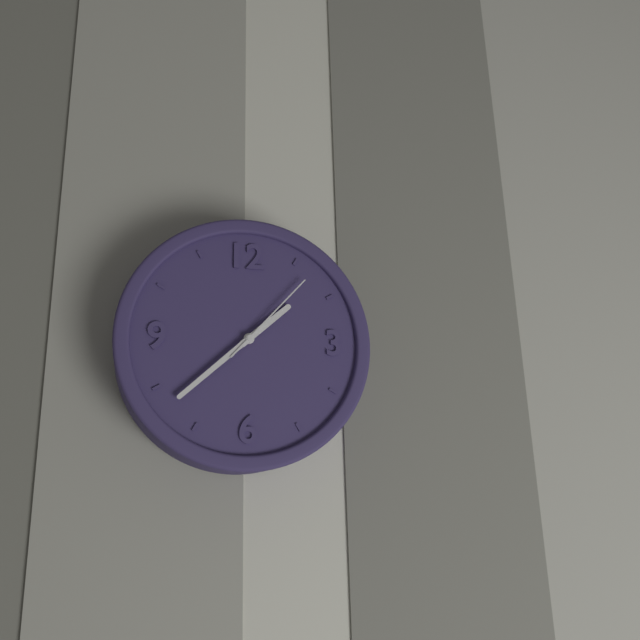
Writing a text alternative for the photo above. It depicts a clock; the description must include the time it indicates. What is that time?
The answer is 1:38:07
